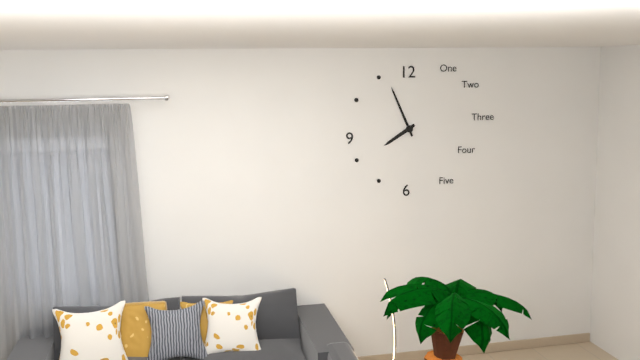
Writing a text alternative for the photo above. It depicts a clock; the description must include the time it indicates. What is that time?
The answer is 7:56
